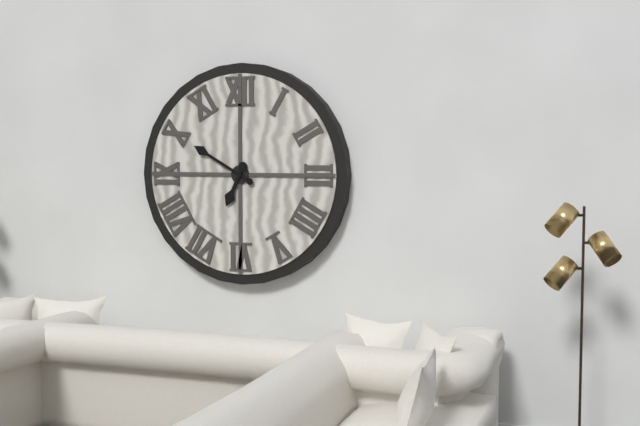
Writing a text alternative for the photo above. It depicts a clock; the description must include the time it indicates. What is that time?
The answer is 6:50
